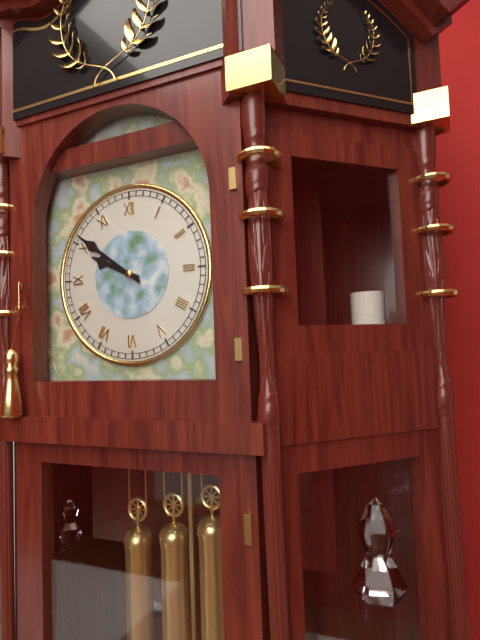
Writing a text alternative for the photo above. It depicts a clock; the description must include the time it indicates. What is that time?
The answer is 9:51
